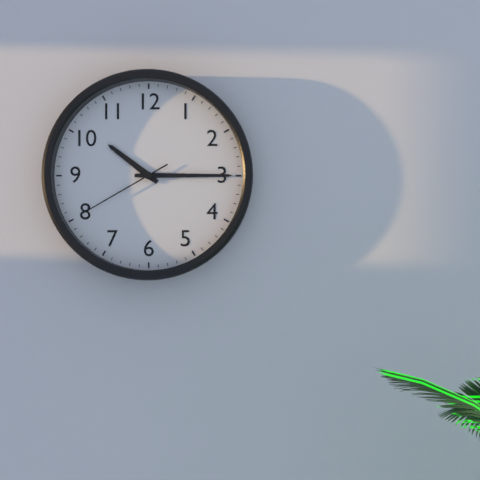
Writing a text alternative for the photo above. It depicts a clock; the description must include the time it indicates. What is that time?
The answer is 10:15:40
